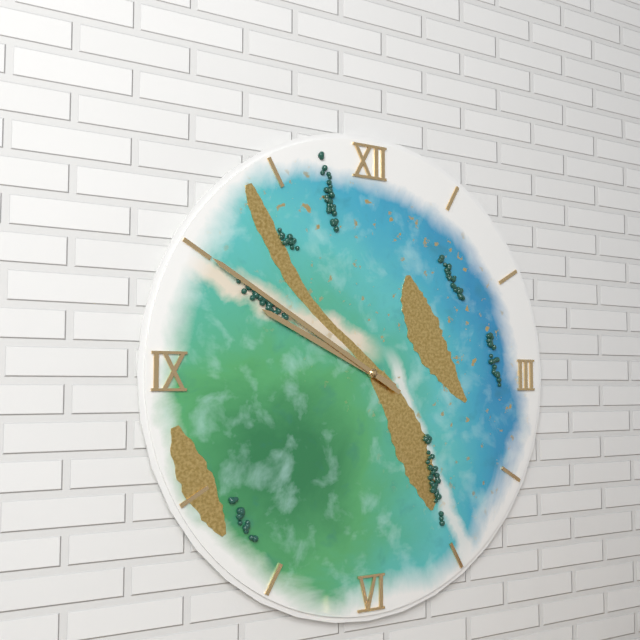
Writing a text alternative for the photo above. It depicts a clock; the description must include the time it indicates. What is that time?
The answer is 9:50
